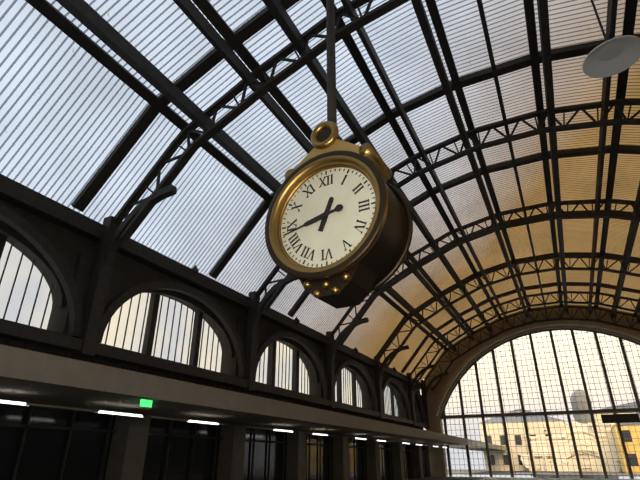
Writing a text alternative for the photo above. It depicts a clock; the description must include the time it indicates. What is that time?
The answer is 12:43
